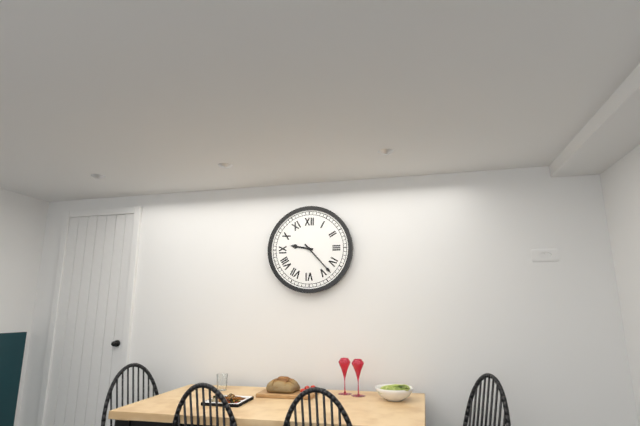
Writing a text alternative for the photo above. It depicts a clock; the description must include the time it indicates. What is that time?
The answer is 9:23
